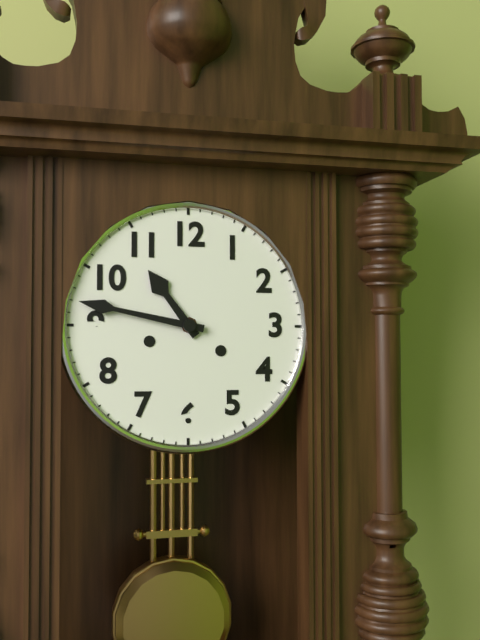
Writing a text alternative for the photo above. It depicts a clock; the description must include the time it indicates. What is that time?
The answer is 10:47
